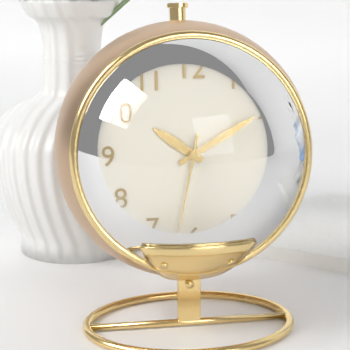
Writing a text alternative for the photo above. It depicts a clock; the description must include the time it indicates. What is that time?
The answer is 10:10:32
